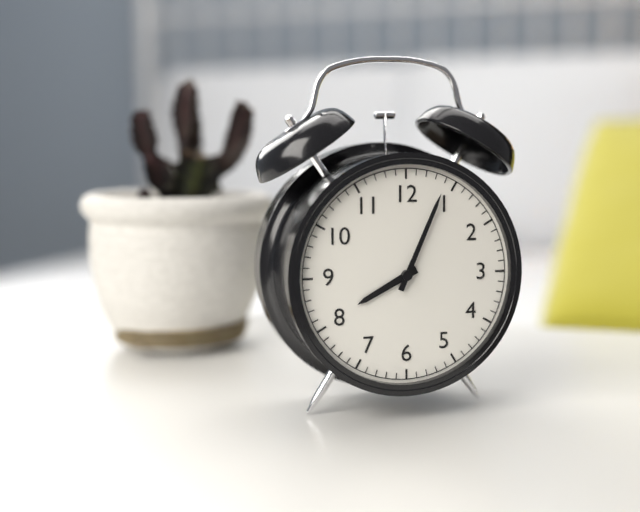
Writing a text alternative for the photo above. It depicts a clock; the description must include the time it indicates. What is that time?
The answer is 8:04
